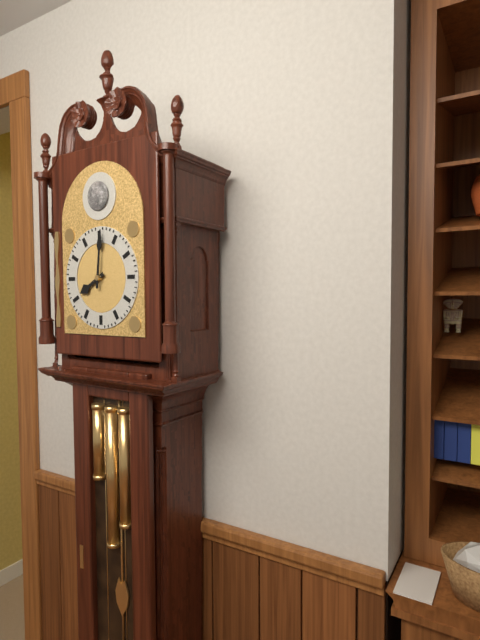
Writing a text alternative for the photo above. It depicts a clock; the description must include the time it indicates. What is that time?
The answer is 8:01
